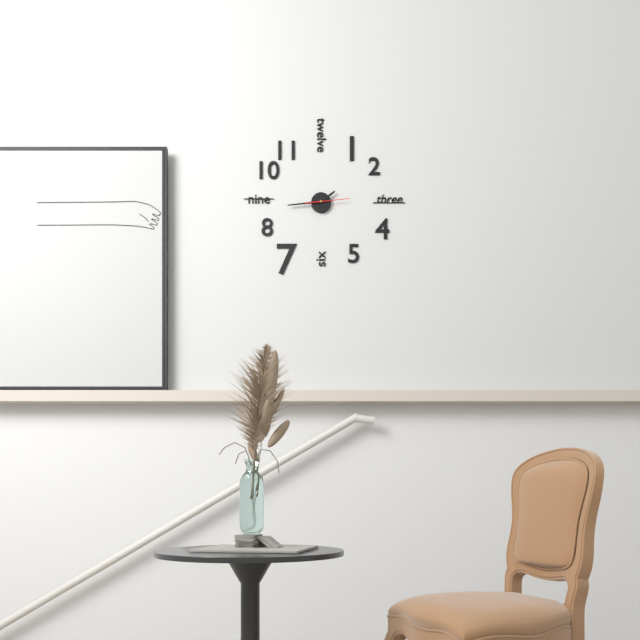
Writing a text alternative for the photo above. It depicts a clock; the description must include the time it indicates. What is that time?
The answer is 1:44
